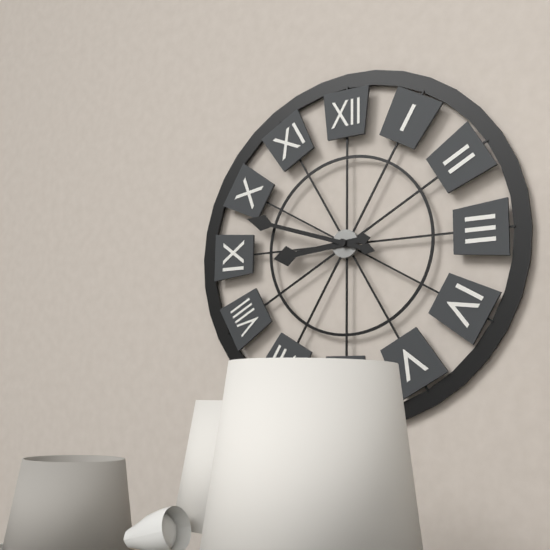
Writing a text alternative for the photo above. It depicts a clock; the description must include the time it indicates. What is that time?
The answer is 8:48
